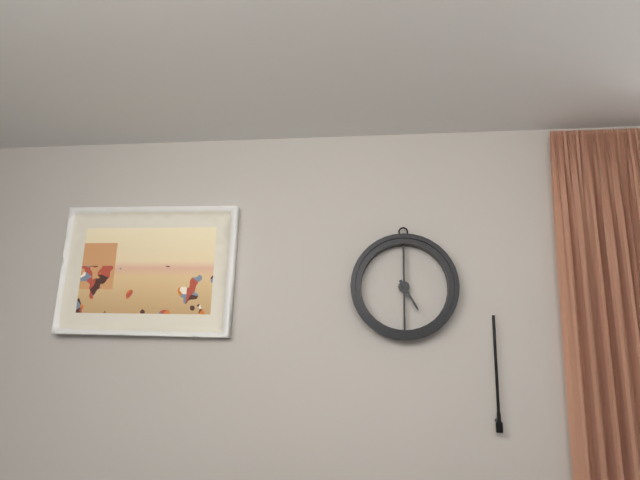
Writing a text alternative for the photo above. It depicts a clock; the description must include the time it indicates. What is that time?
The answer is 5:00
